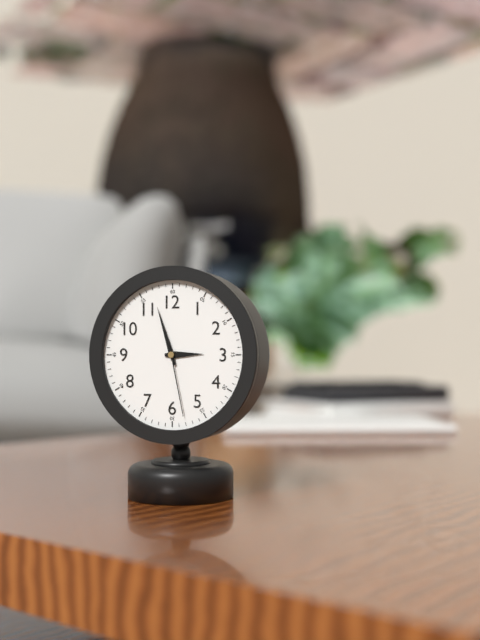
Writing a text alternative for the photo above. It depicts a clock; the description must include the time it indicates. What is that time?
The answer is 2:57:28
